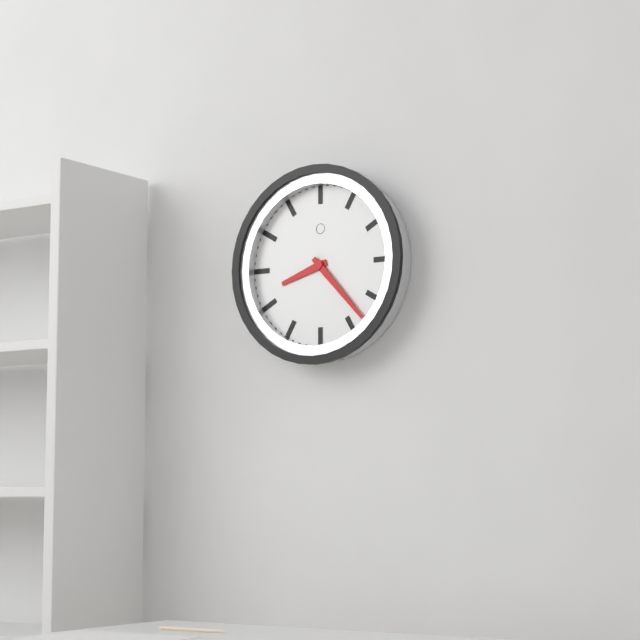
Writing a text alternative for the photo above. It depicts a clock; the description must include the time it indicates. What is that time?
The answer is 8:23
